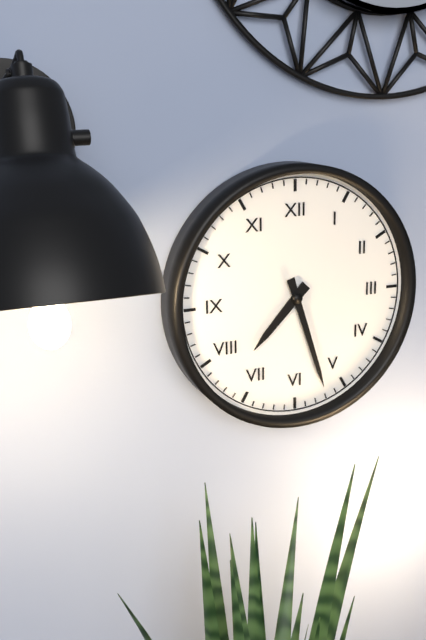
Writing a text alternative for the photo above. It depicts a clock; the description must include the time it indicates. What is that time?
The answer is 7:27
